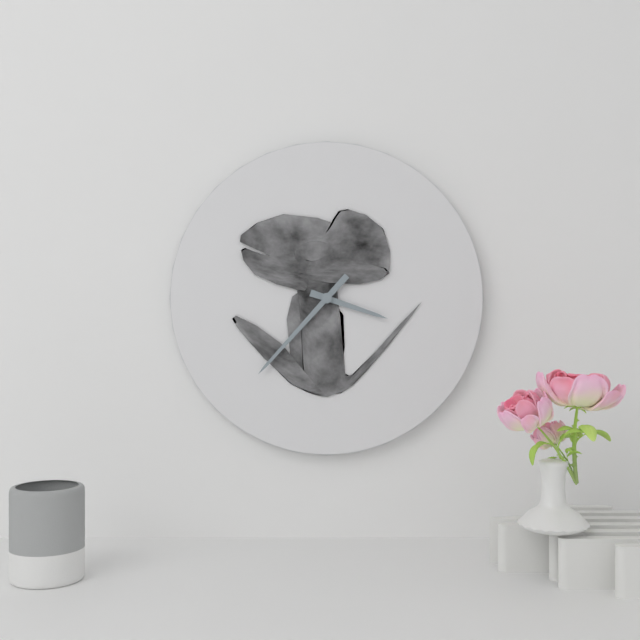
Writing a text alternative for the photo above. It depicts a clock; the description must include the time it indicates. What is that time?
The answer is 3:37
